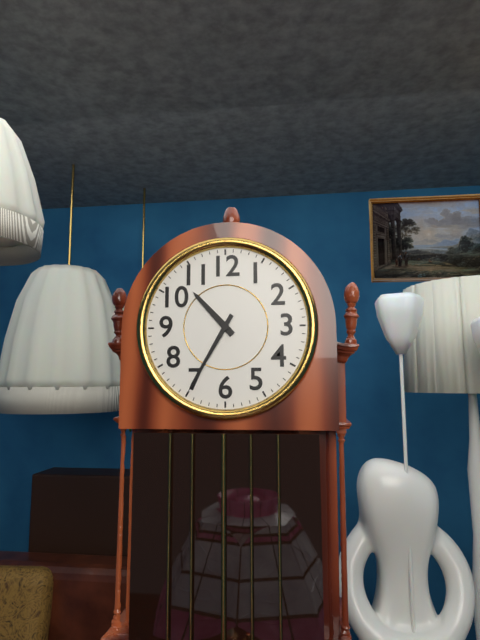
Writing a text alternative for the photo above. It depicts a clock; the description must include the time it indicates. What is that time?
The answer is 10:35
